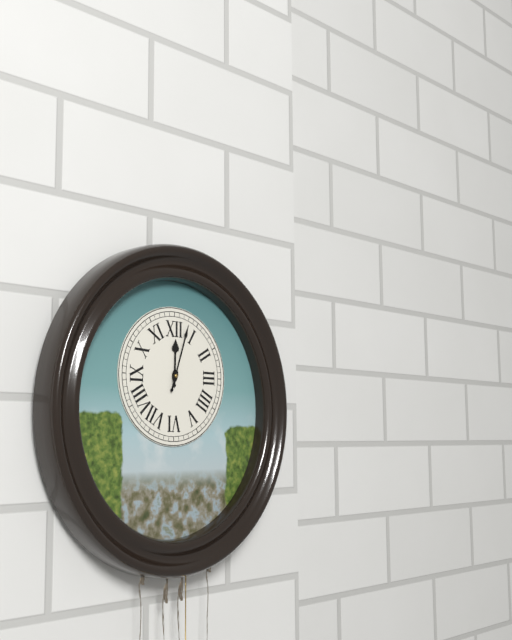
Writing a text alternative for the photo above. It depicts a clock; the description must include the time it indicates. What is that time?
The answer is 12:03
